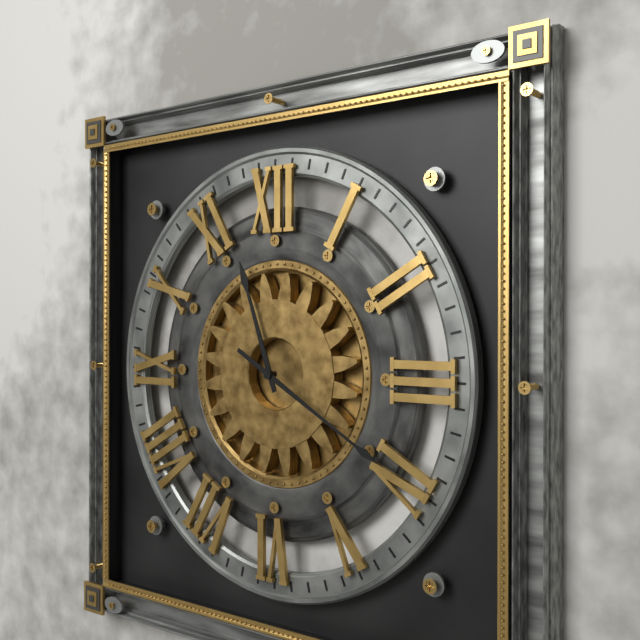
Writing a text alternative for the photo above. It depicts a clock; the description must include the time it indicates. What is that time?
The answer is 11:20
